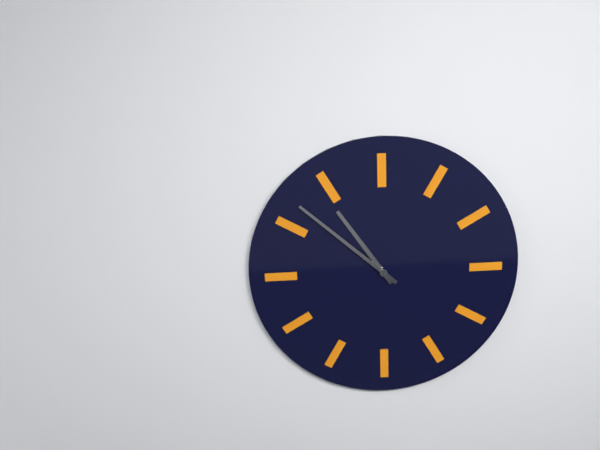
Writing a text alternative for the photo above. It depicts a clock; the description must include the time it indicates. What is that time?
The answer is 10:52
